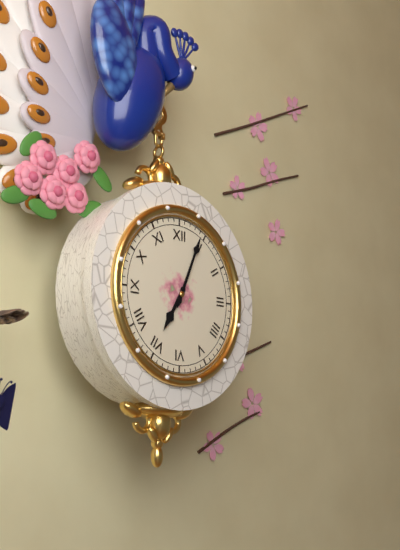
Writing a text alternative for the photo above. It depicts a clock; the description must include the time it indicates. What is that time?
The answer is 7:04
